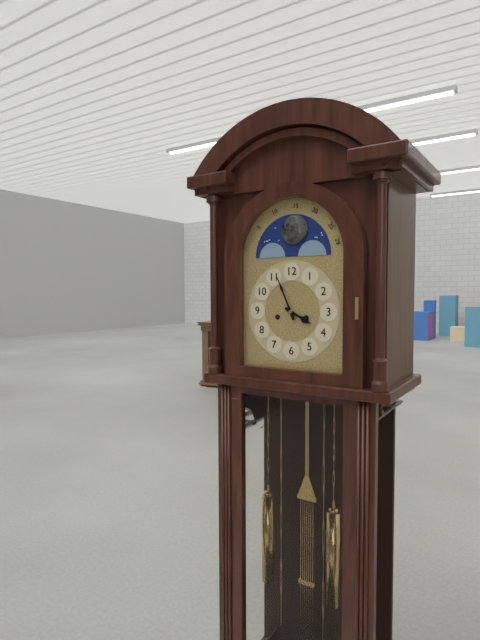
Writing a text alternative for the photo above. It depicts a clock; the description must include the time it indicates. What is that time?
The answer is 3:56
